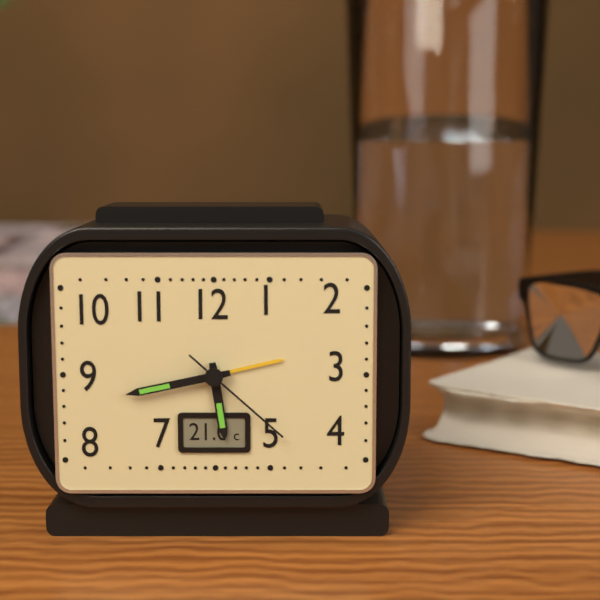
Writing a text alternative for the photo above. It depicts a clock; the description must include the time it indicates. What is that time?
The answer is 5:43:22
